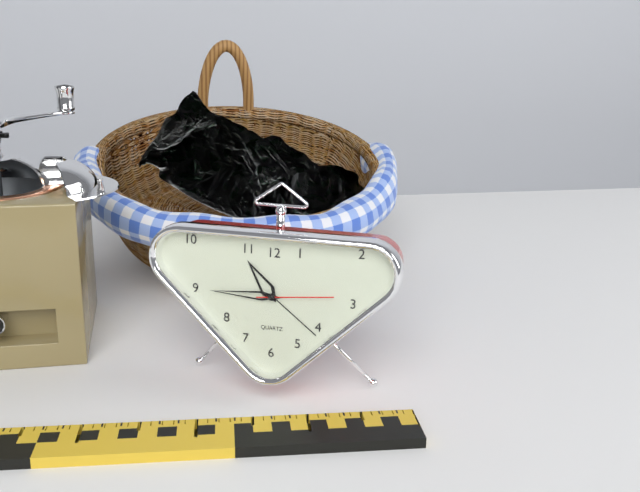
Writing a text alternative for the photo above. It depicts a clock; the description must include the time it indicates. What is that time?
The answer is 10:45:14
